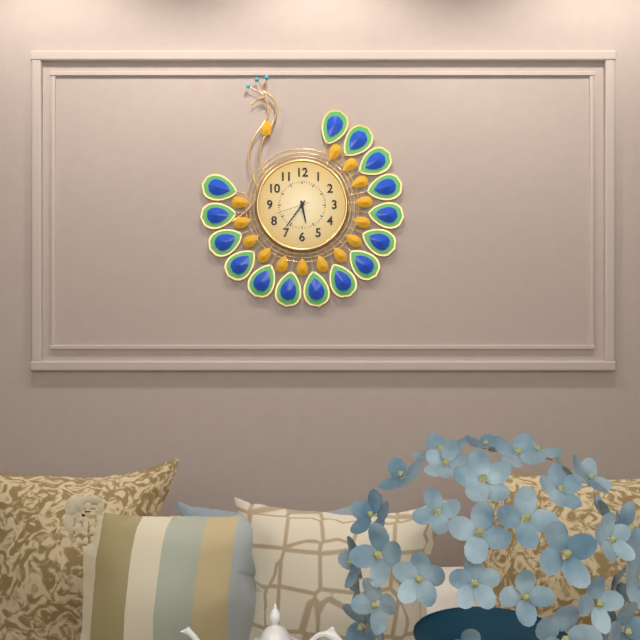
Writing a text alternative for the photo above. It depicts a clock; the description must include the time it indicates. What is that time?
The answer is 5:36
